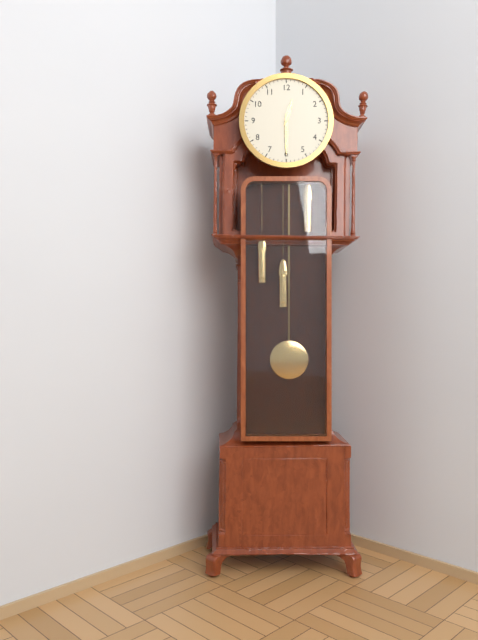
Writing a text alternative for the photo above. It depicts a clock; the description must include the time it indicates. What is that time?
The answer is 12:30
